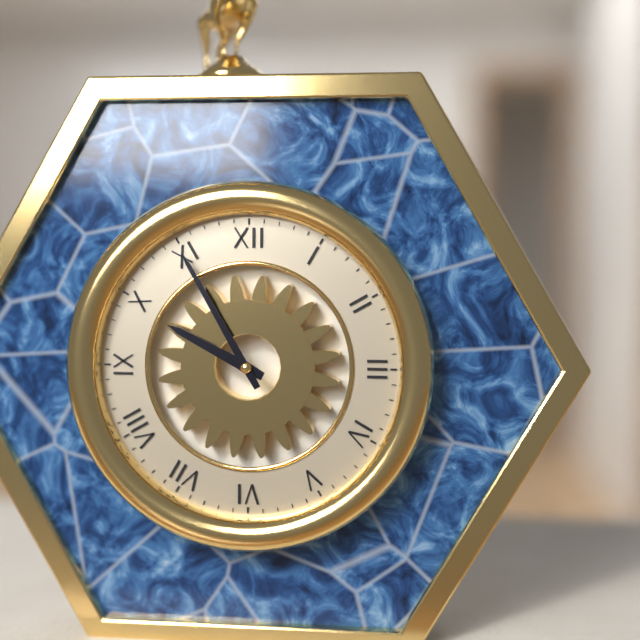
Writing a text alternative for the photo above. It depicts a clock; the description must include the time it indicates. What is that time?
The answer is 9:55
